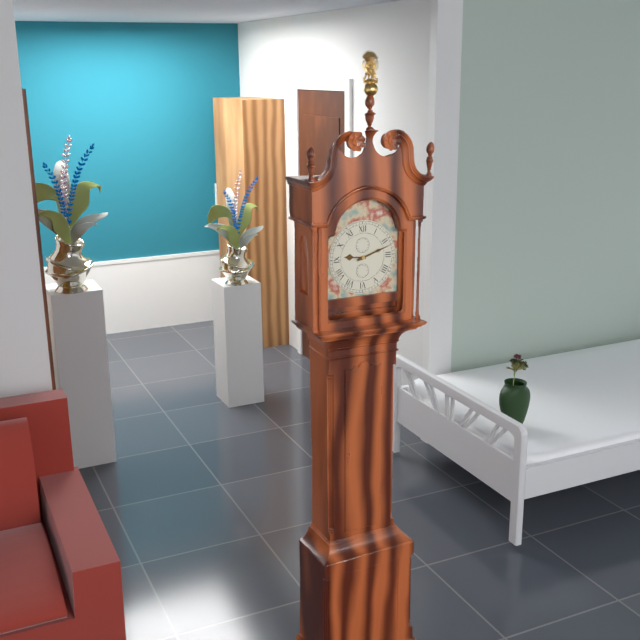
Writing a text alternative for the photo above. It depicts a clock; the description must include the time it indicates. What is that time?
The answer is 9:12
